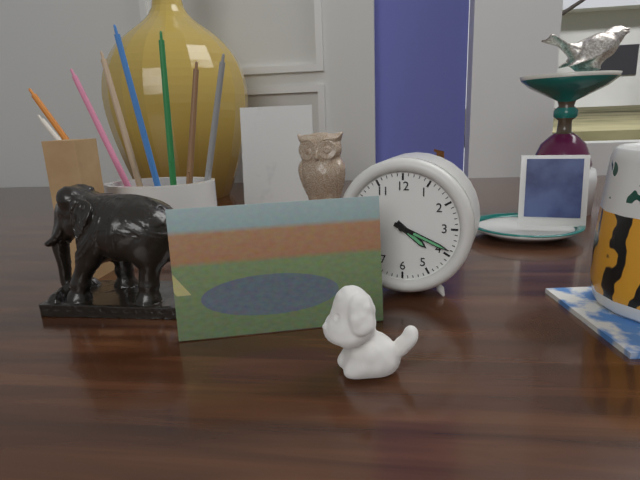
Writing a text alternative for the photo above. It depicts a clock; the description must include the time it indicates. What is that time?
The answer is 4:19
